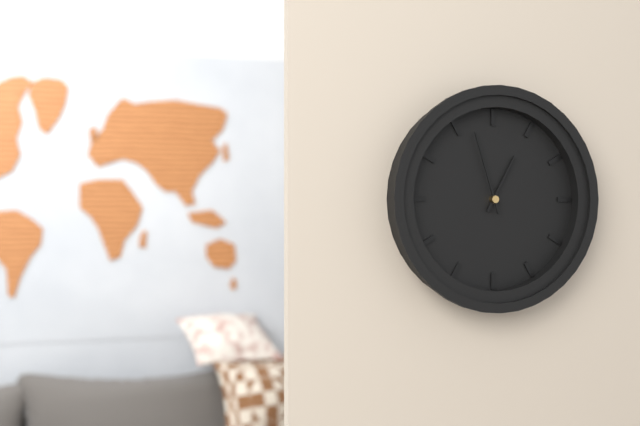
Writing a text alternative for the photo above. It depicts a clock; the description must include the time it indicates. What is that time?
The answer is 12:57
